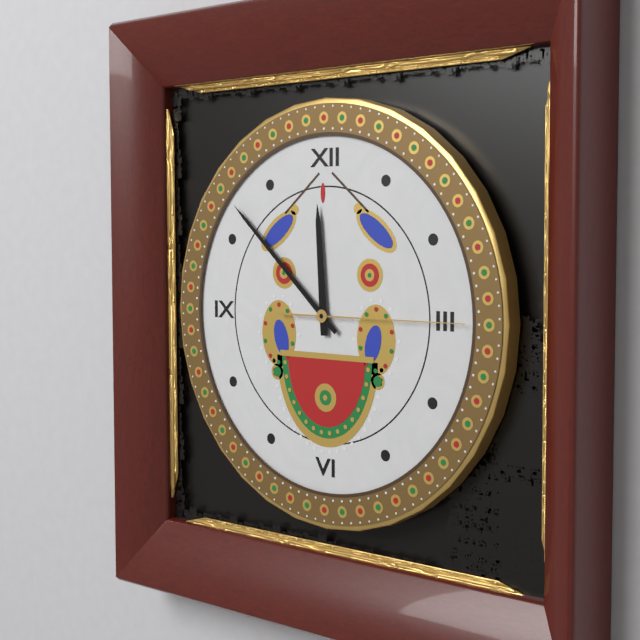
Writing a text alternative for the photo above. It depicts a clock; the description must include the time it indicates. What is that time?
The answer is 11:52:15
